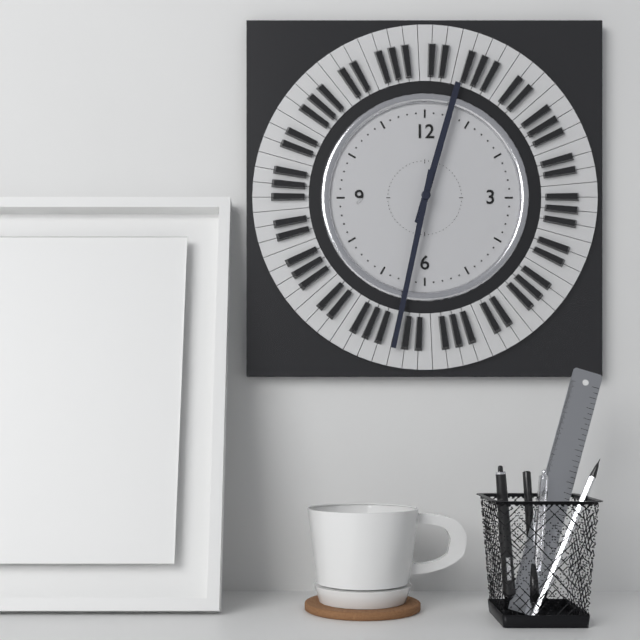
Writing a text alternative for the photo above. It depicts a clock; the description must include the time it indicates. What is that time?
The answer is 12:32
